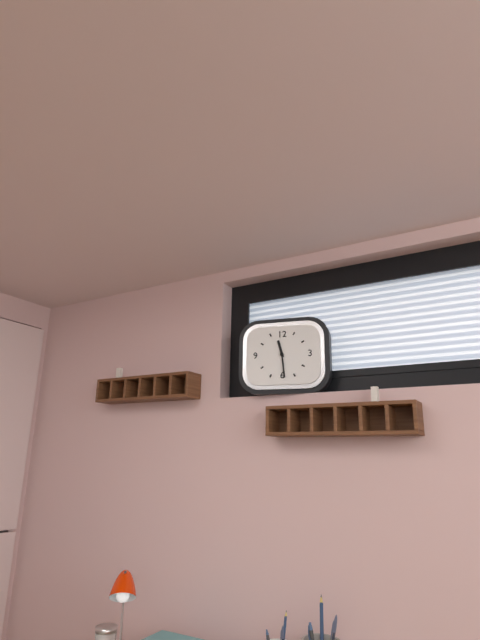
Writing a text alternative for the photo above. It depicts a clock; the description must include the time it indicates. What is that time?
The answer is 11:29
